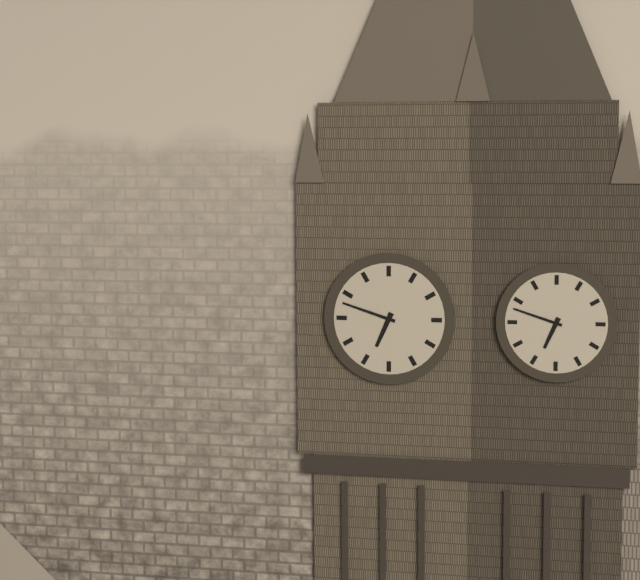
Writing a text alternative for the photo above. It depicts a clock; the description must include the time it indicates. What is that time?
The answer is 6:48
